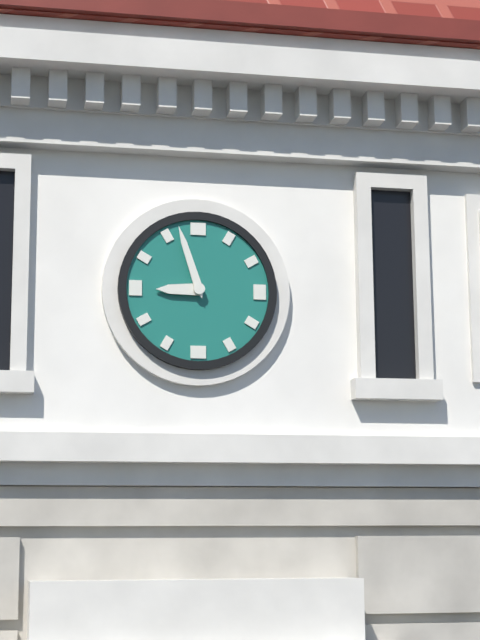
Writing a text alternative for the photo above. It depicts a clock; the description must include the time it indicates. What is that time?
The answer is 8:57
